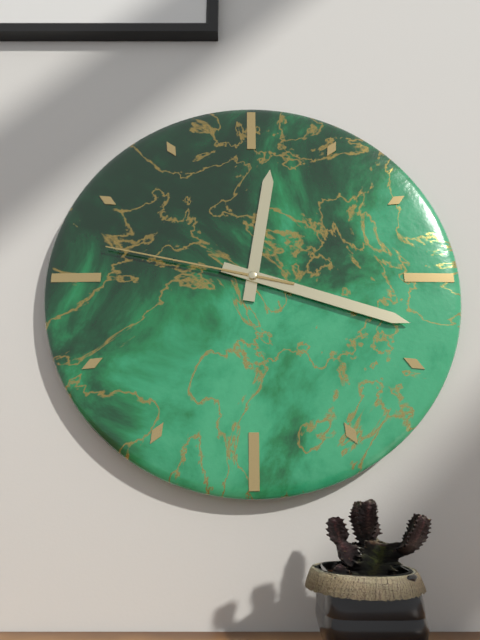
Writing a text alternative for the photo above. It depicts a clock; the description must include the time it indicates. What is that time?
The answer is 12:18:47
